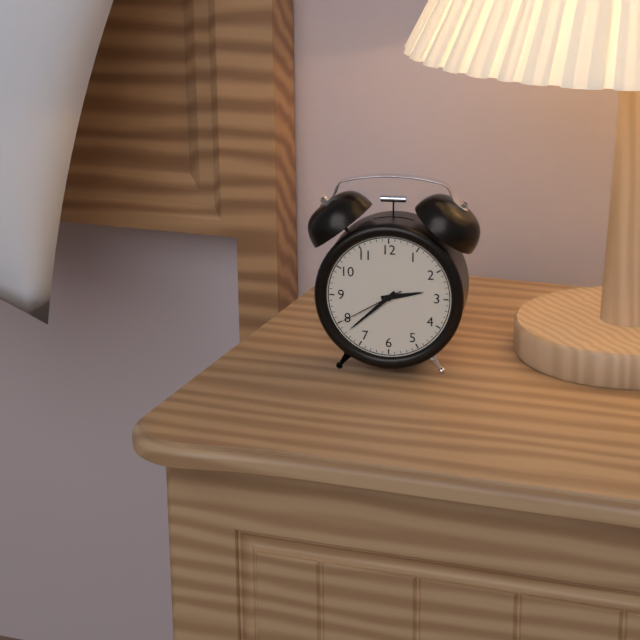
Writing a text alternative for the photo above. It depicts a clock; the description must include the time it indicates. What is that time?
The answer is 2:38:40
